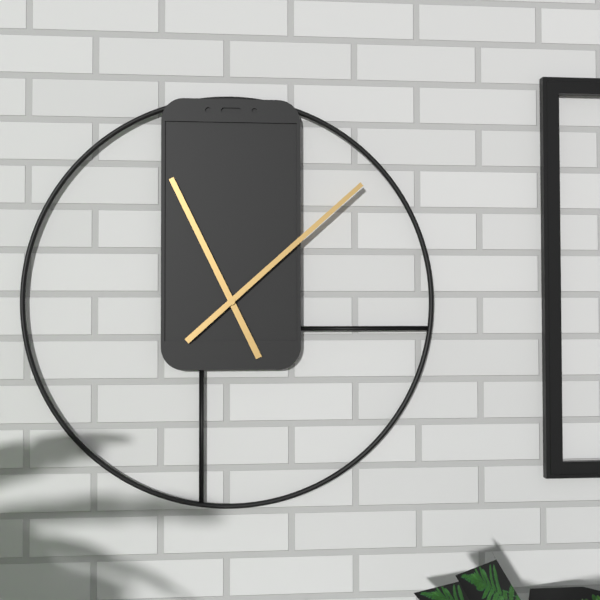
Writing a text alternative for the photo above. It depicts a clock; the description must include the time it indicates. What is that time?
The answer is 11:08
